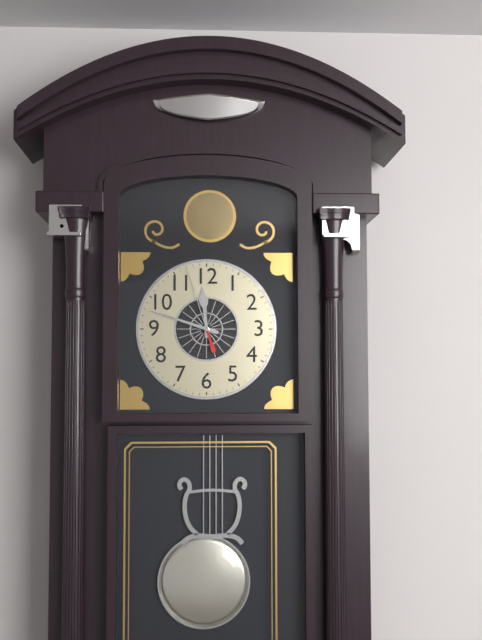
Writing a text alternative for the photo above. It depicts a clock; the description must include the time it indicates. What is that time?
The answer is 11:48:57
